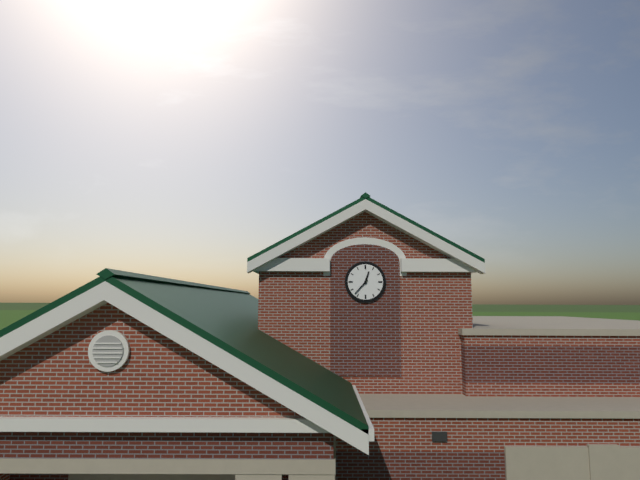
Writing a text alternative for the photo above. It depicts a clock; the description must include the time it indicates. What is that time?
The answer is 12:37
